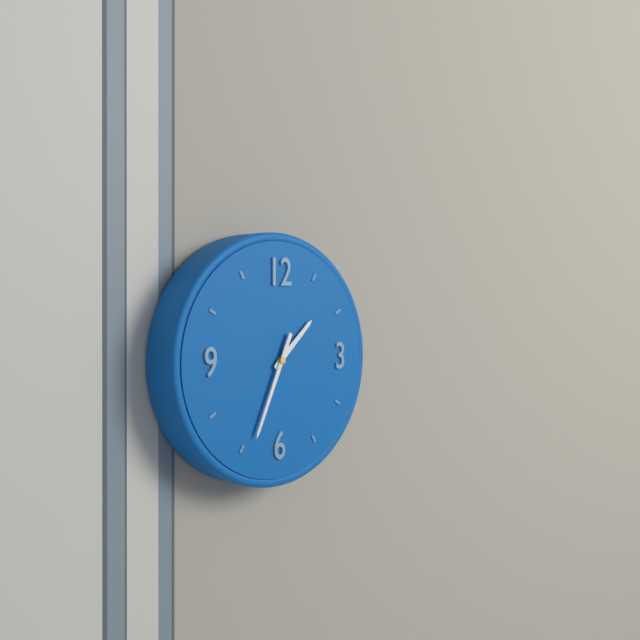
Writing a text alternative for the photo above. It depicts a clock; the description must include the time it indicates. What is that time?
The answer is 1:34
